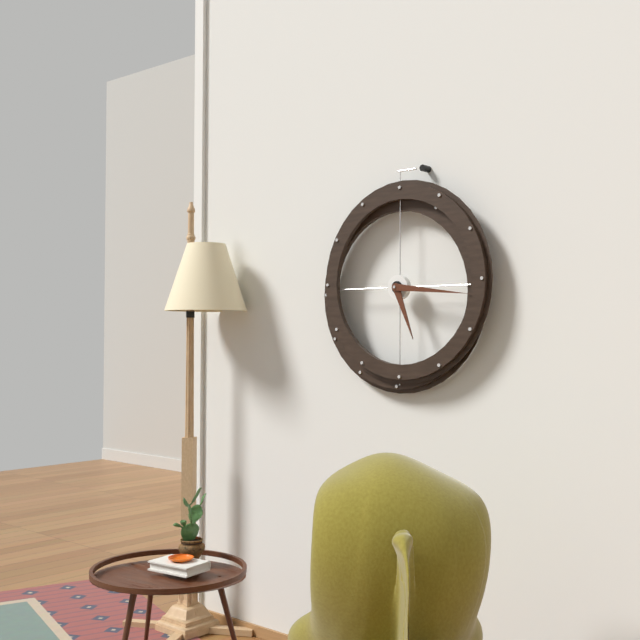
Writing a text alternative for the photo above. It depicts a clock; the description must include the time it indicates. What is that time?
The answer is 5:16
